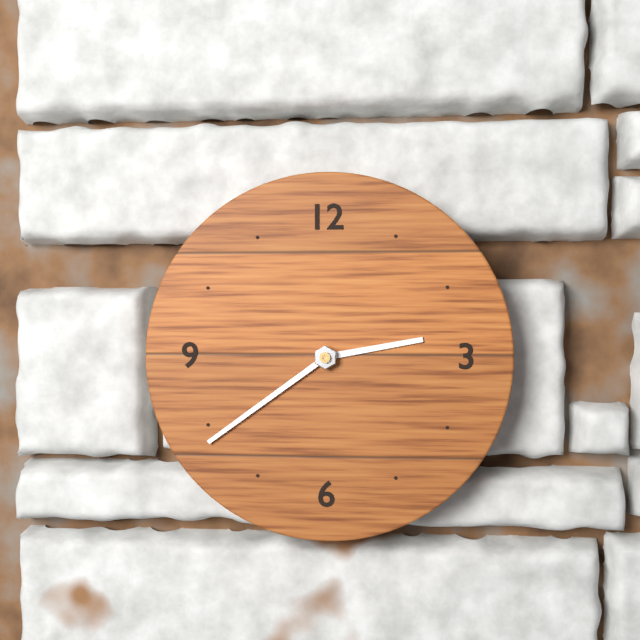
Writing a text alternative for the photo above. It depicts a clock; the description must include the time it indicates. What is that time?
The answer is 2:39
